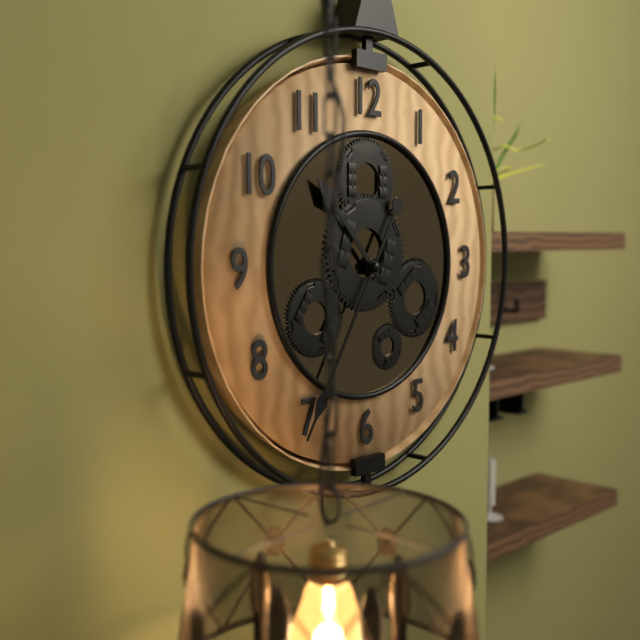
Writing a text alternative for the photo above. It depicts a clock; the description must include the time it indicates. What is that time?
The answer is 10:35
